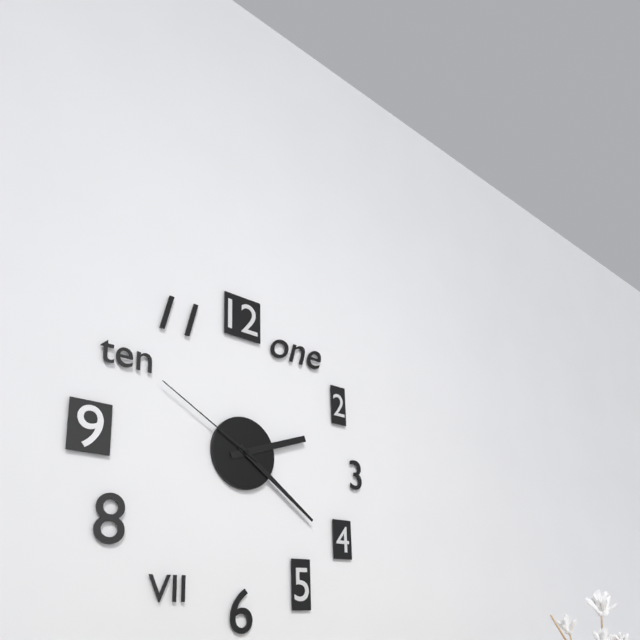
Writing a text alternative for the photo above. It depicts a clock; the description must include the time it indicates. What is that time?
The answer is 2:21:50
